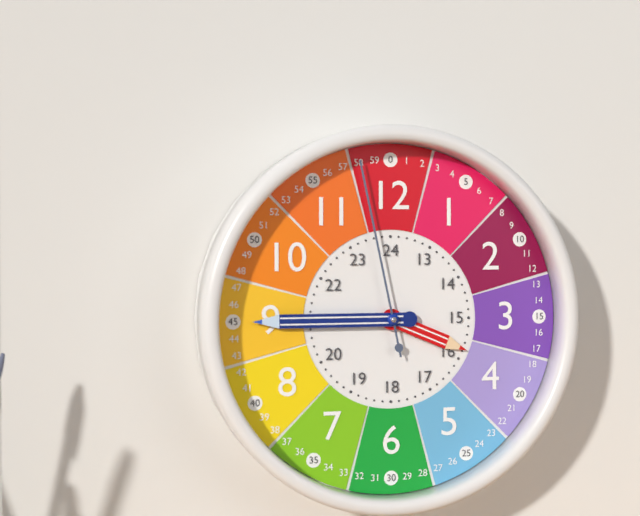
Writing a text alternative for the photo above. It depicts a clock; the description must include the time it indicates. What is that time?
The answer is 3:45:58
